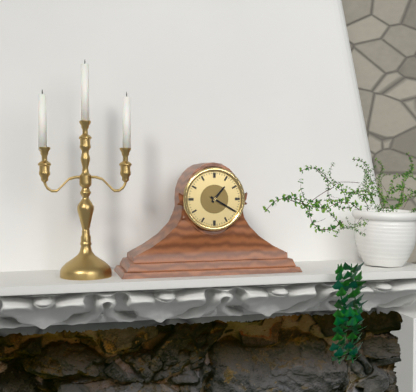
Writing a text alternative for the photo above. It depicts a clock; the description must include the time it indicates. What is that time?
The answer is 1:20
